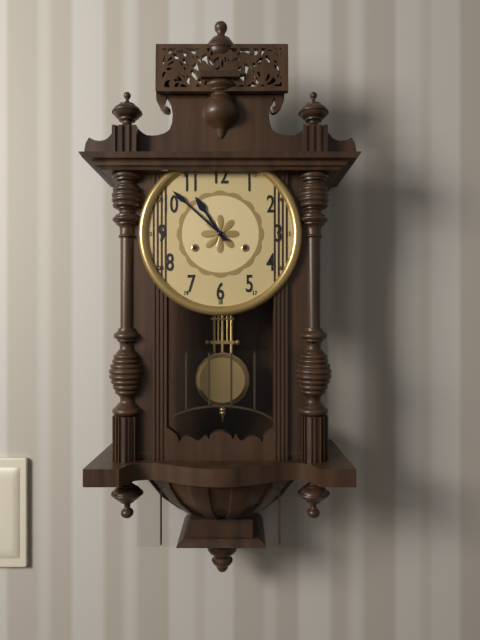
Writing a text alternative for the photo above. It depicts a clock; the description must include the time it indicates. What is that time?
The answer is 10:52
